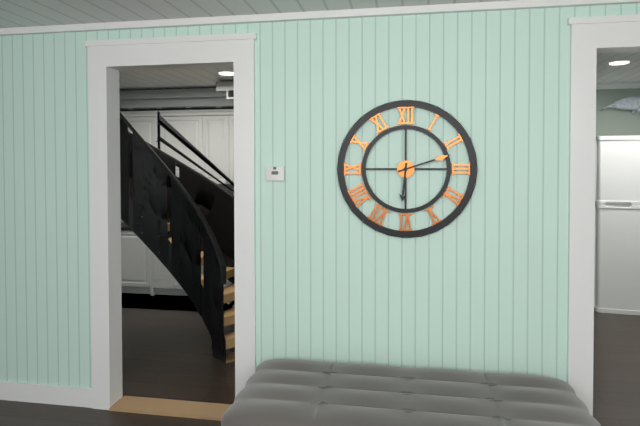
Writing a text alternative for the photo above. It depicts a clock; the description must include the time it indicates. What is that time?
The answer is 6:12
